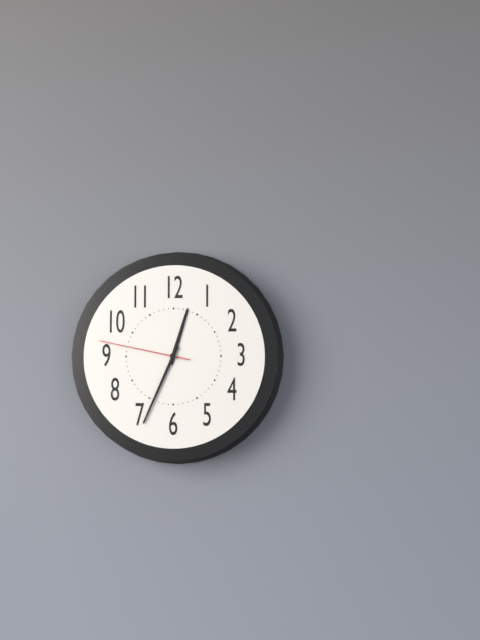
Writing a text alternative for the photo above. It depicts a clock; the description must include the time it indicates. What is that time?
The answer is 12:34:47
